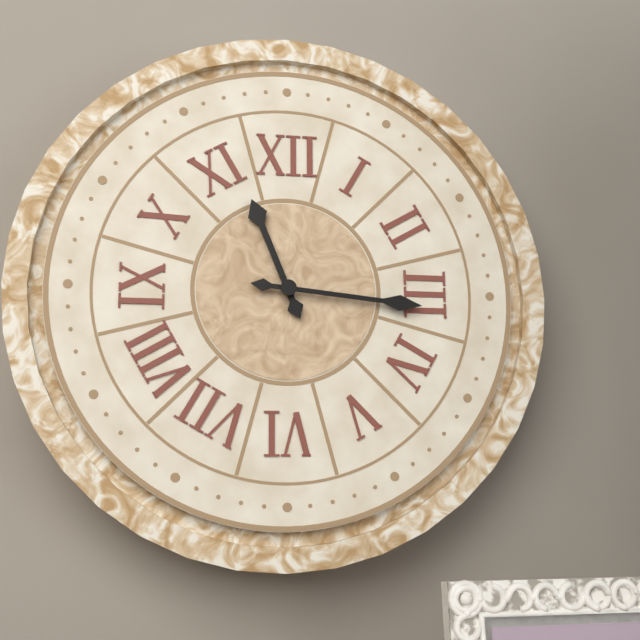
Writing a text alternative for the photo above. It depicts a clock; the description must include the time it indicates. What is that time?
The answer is 11:16
